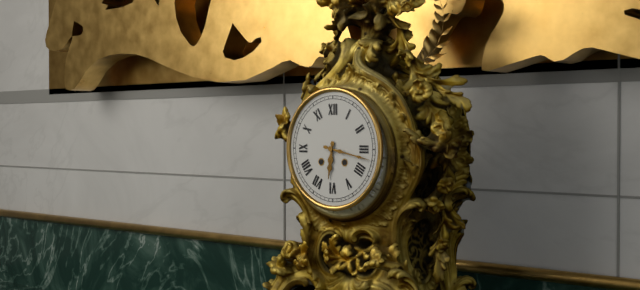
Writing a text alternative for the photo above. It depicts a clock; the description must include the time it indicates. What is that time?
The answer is 6:17
